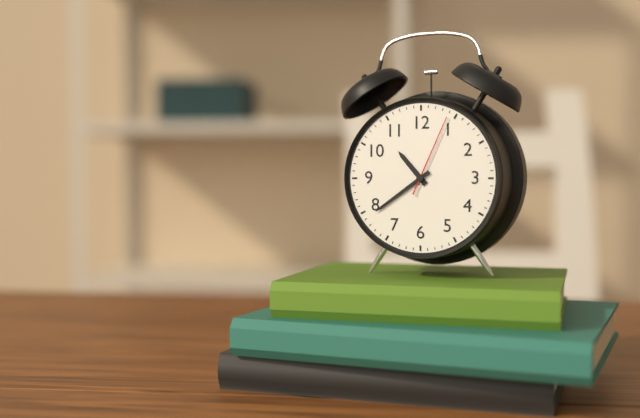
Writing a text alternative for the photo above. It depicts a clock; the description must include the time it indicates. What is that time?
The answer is 10:39:04
